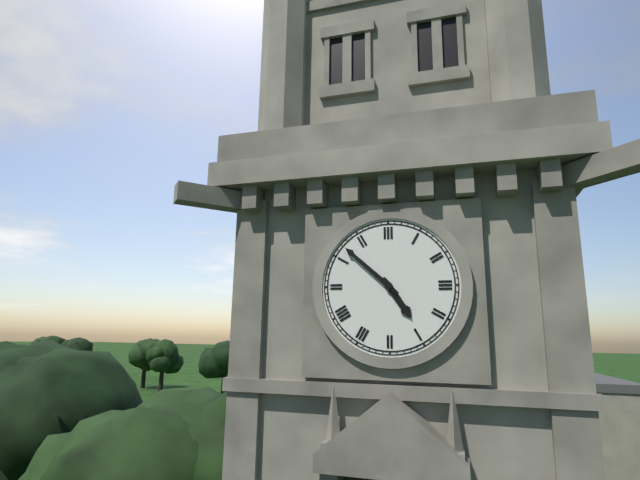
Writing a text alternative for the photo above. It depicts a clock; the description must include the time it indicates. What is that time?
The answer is 4:52
